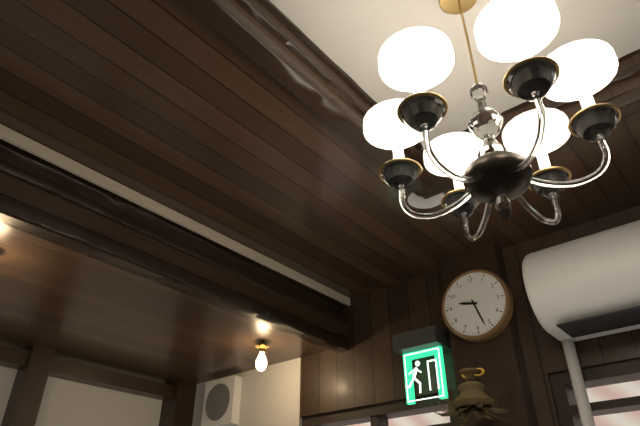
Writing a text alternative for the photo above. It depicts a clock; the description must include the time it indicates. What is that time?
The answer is 9:27
